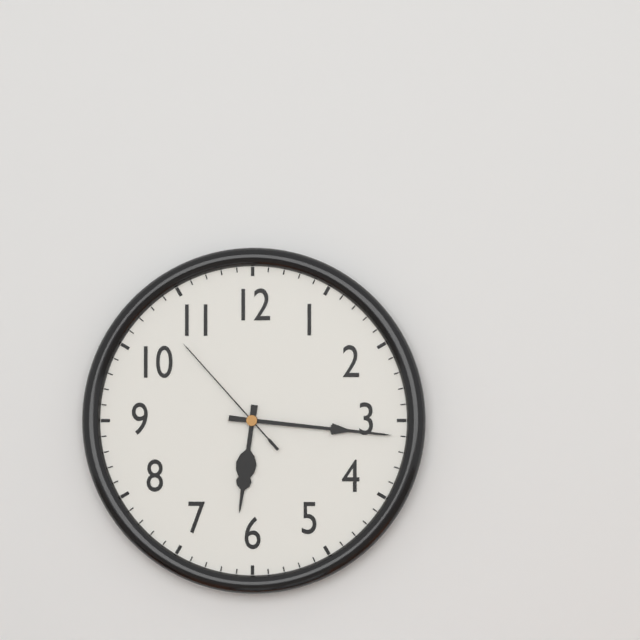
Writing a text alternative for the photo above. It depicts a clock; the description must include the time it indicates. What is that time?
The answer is 6:16:53
